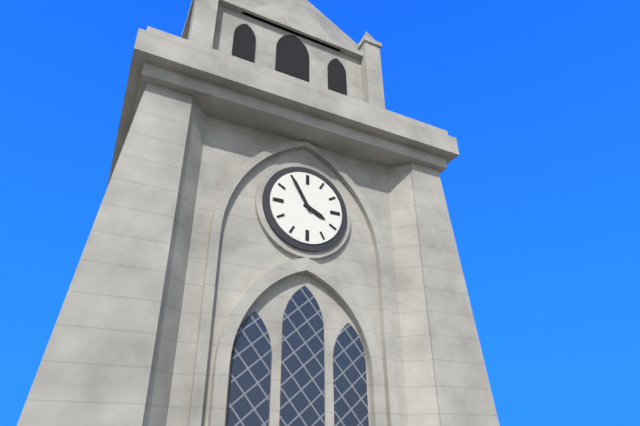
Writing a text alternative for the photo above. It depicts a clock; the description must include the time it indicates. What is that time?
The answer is 3:55
